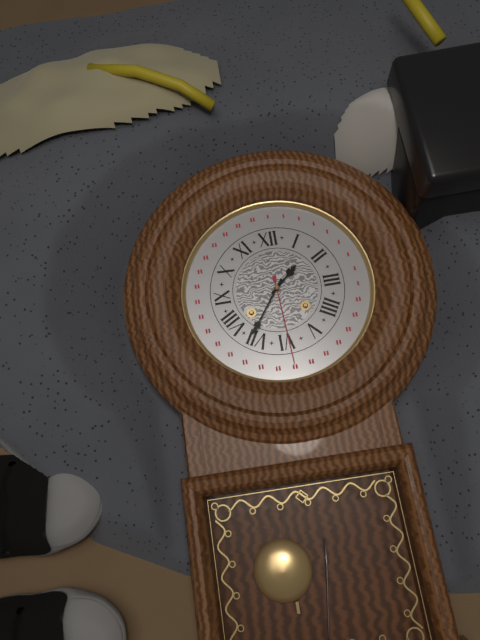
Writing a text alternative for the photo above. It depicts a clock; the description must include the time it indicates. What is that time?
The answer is 1:36
